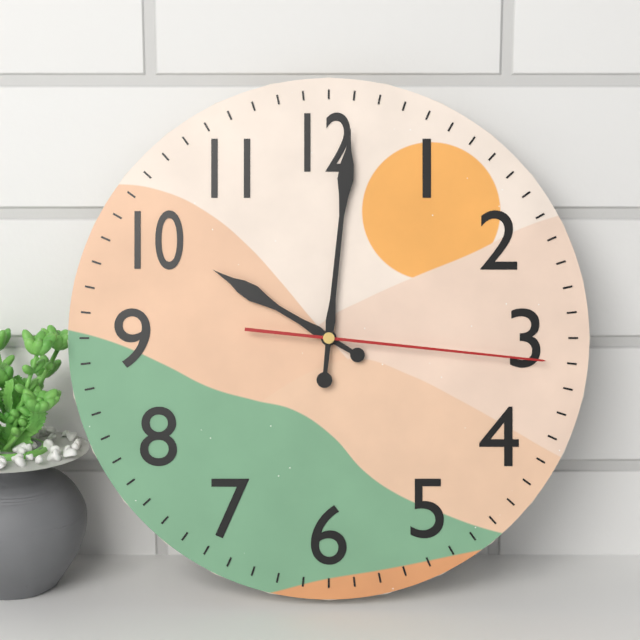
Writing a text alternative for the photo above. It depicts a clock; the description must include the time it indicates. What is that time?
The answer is 10:01:16
